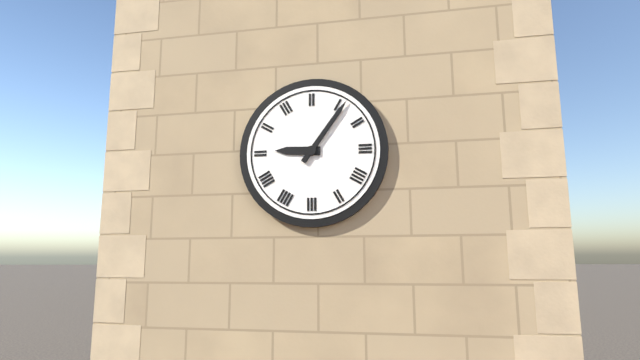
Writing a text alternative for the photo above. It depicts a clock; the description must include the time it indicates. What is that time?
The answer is 9:06
